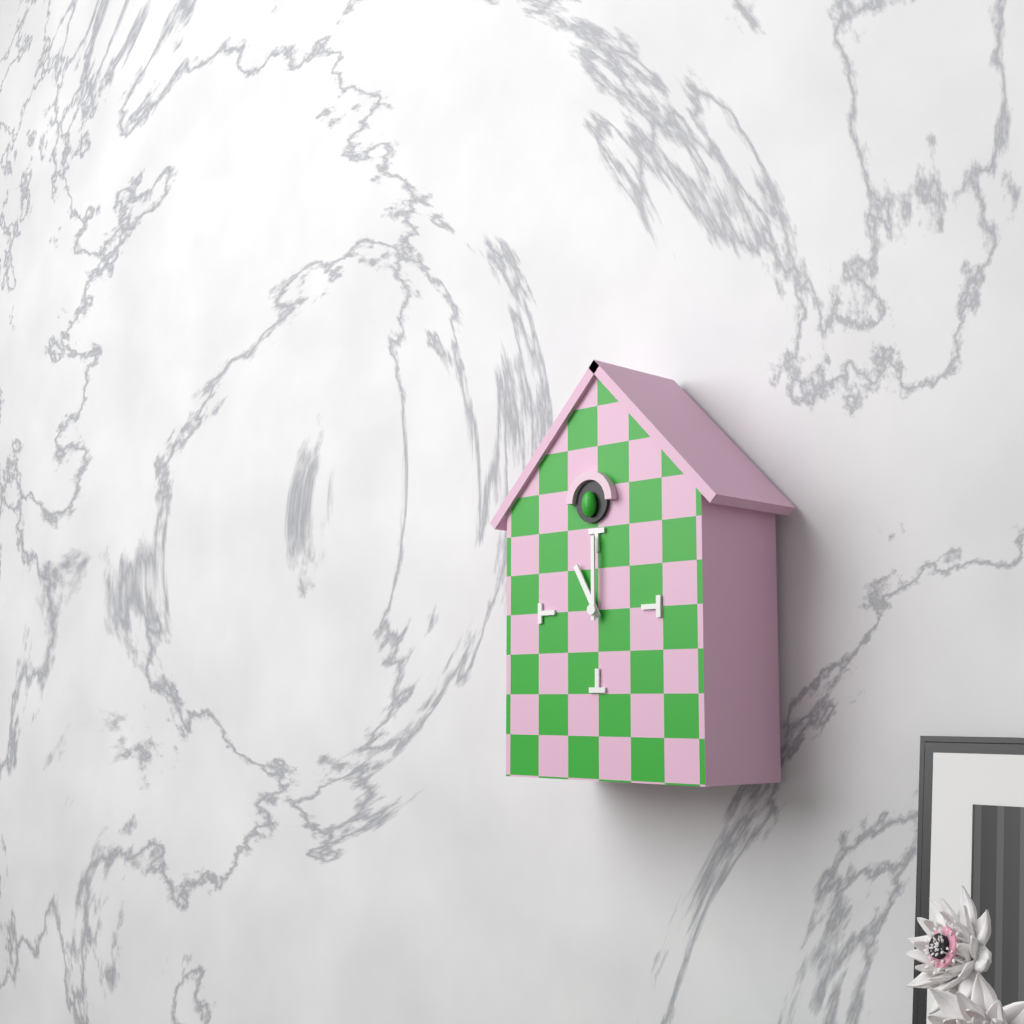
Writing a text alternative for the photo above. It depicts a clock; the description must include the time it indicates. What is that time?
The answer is 11:00
